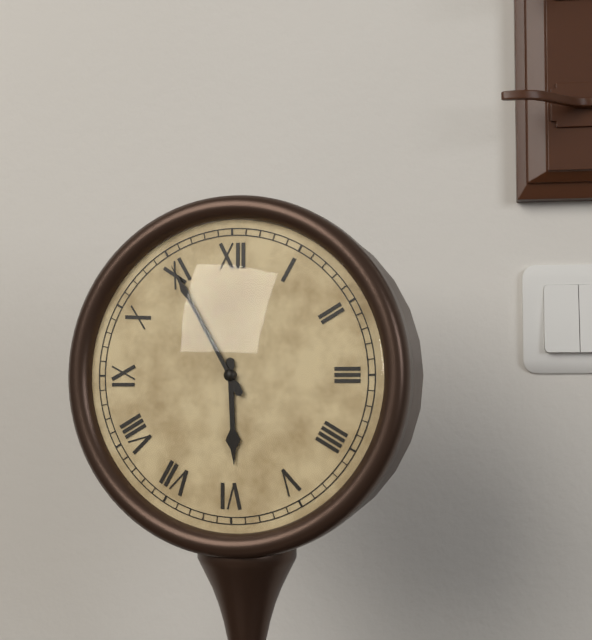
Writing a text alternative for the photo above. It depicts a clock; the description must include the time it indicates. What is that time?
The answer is 5:55
